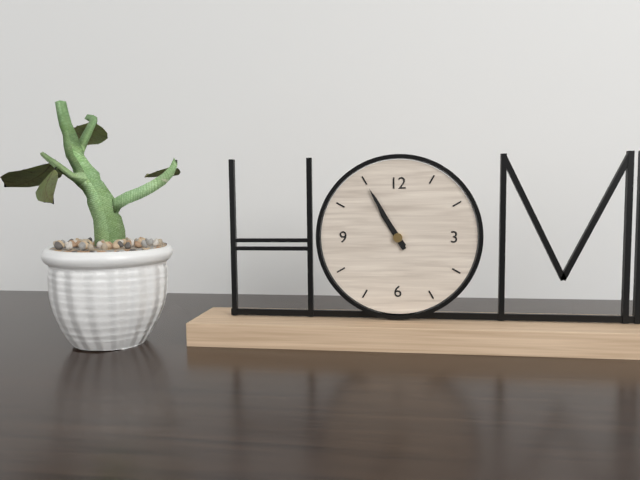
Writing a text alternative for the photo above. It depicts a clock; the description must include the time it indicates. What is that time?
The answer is 10:55
